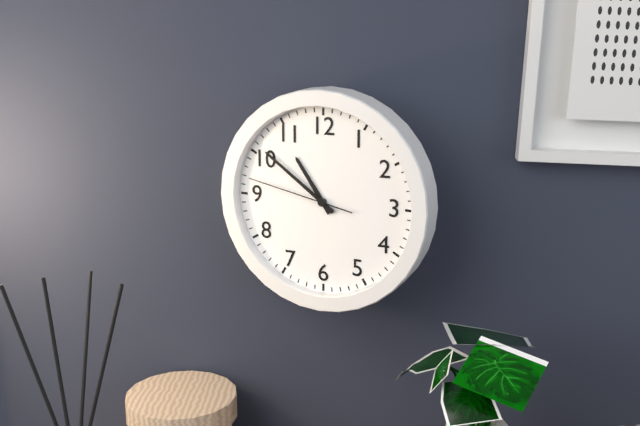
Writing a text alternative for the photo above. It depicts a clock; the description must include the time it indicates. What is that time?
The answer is 10:51:47
